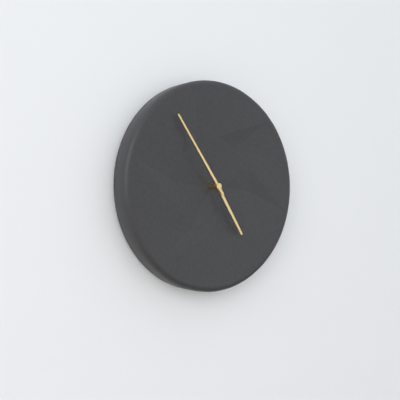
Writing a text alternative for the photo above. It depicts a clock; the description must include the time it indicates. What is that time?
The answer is 4:54
